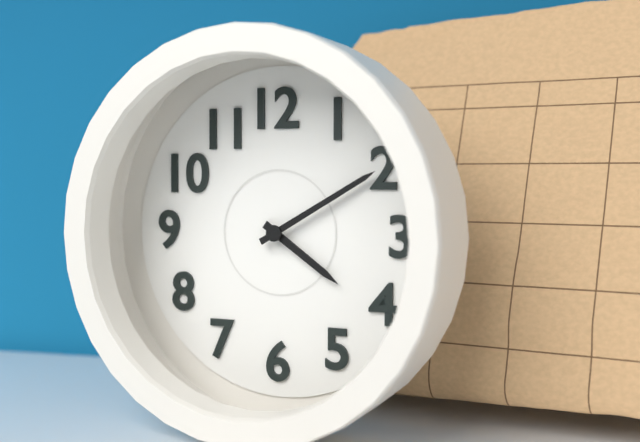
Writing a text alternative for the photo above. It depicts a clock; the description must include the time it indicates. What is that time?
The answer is 4:10
